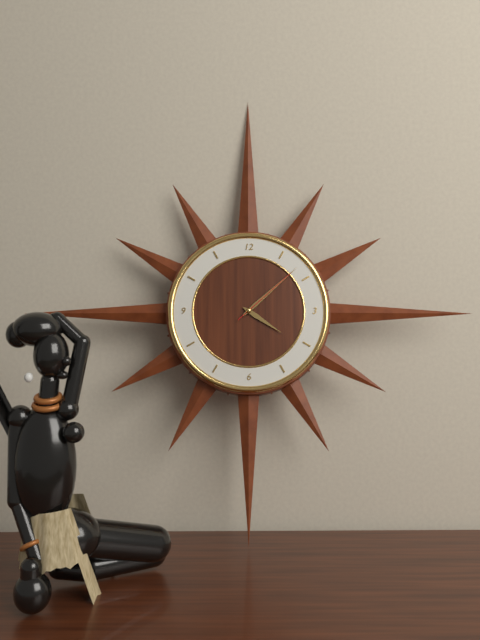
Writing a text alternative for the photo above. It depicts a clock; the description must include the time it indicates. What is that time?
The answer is 4:08:08
